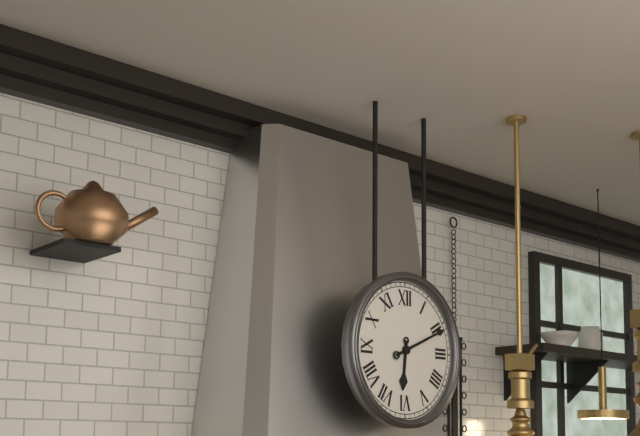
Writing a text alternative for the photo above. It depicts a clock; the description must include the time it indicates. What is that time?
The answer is 6:11
